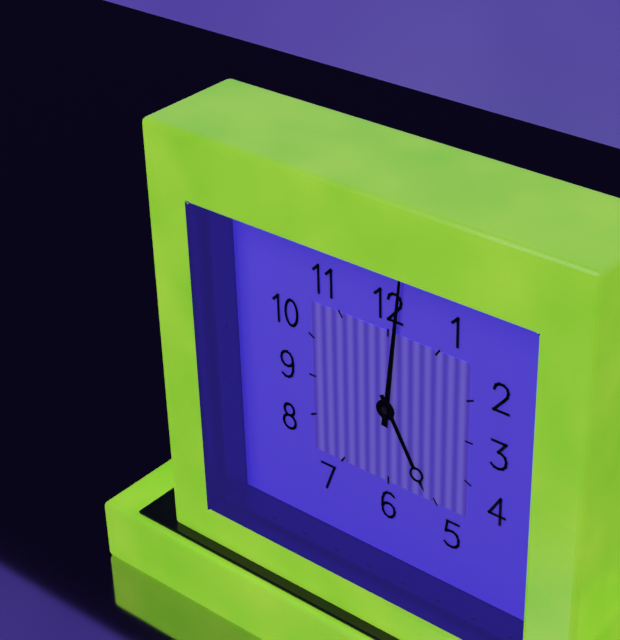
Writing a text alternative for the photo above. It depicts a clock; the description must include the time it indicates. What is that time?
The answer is 5:01
